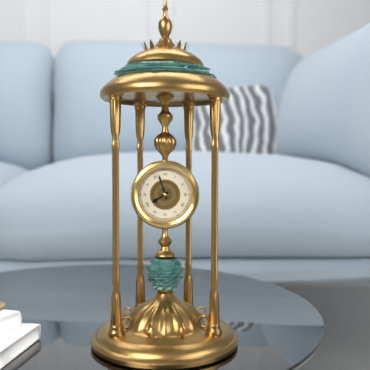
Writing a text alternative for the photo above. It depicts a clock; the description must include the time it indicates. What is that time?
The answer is 7:57
